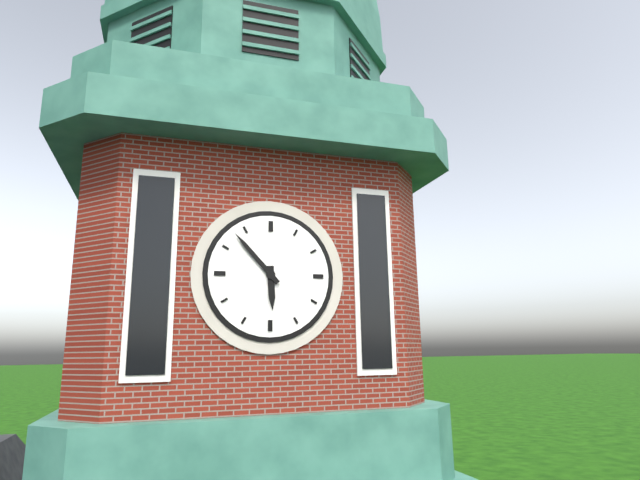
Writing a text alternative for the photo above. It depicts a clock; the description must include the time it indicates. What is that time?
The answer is 5:53
